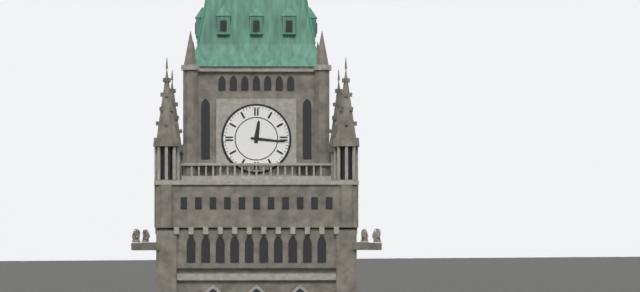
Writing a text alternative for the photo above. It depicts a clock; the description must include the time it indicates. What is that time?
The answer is 12:16
